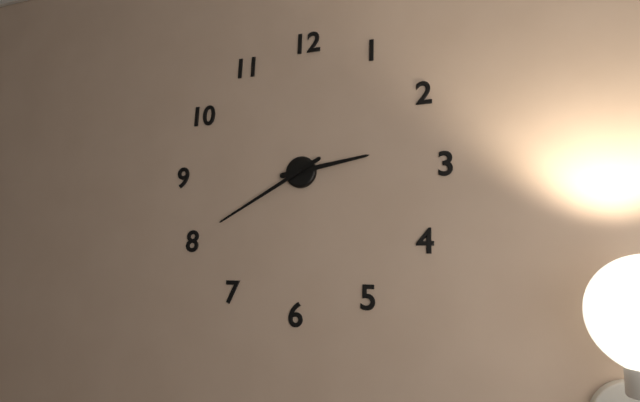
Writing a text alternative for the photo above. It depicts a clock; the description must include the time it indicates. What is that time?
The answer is 2:40
